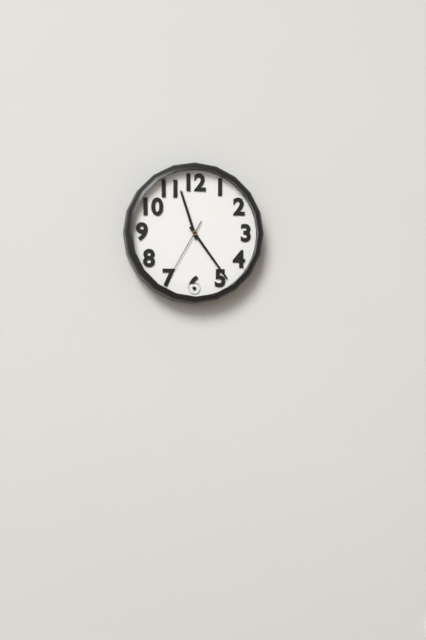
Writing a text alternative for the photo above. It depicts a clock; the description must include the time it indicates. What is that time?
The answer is 11:24:35
